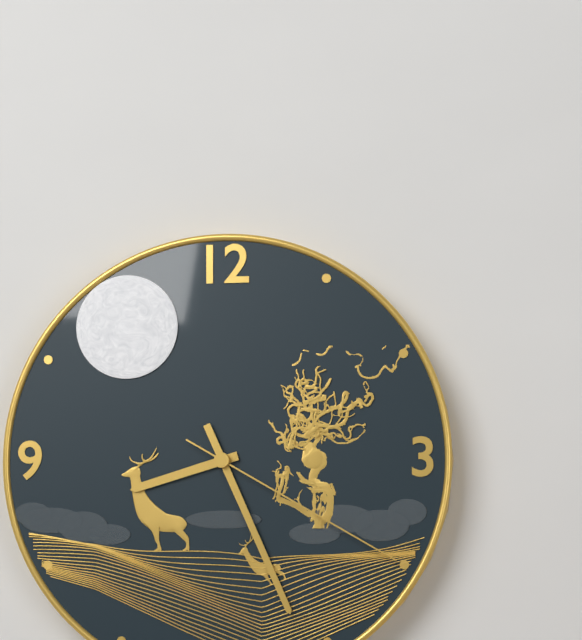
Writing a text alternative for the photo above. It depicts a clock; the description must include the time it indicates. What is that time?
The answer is 8:26:20
